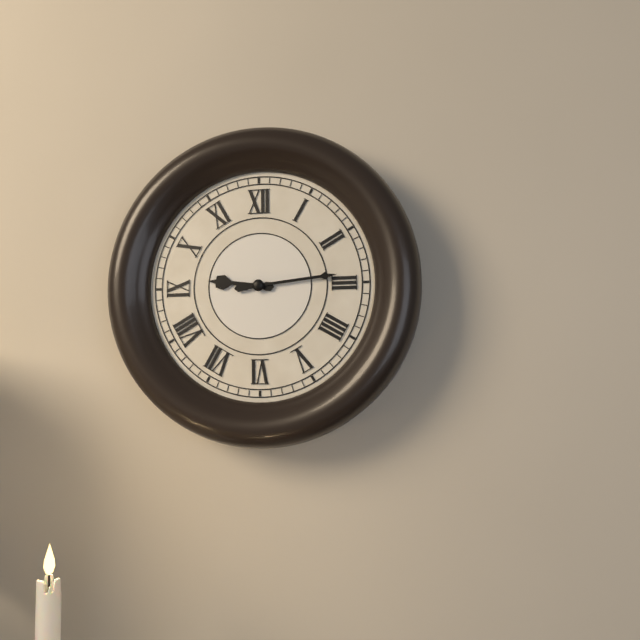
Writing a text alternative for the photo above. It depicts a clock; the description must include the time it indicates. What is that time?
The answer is 9:14
